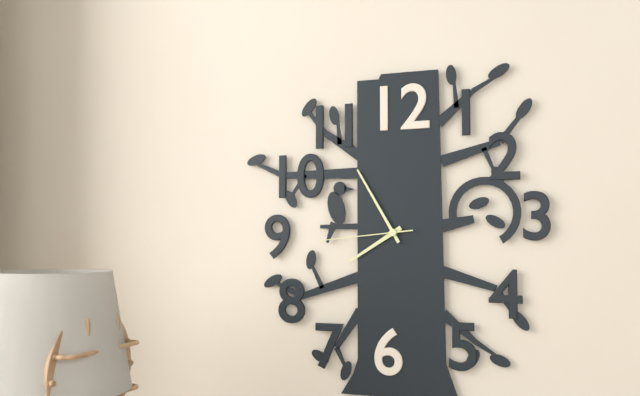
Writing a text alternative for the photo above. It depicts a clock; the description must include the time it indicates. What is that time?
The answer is 7:55:44
